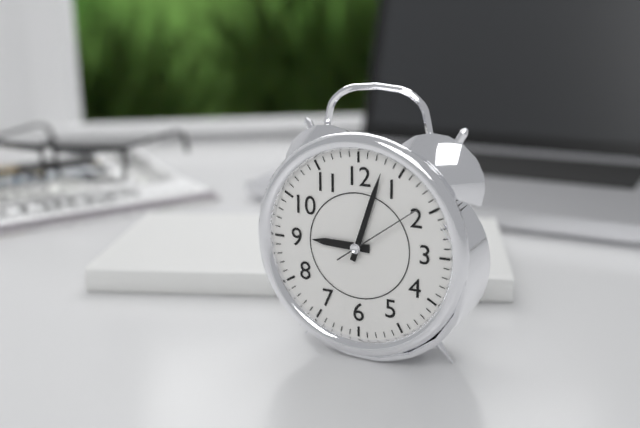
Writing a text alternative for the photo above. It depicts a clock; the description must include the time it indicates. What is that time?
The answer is 9:03:09
